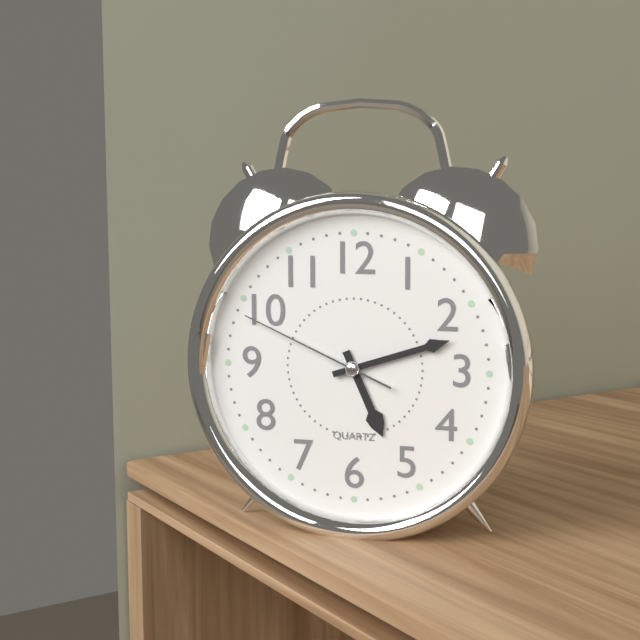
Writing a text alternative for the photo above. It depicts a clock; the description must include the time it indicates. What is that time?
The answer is 5:12:49
